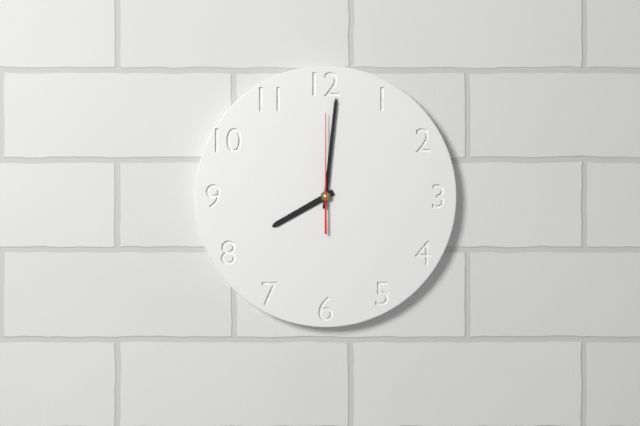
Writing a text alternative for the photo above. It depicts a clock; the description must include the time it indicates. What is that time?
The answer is 8:01:00
